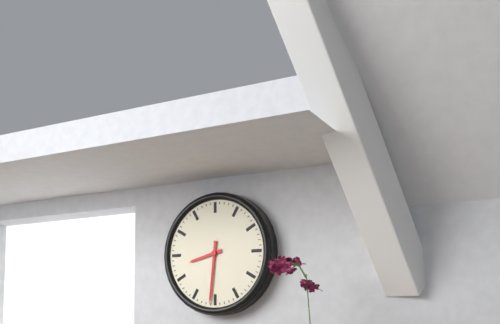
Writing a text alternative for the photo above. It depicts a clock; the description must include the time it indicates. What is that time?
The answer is 8:31
